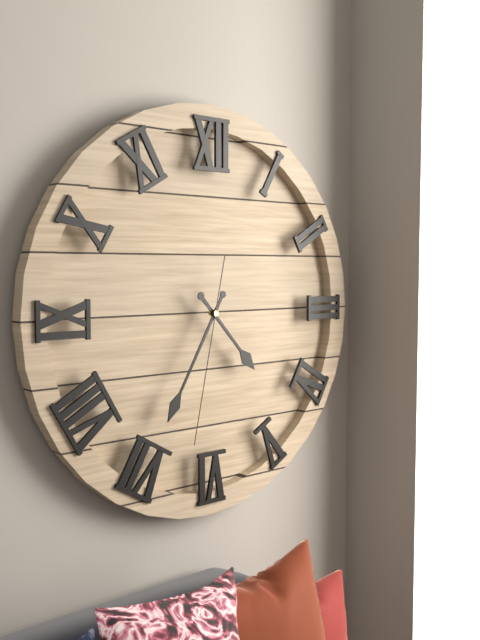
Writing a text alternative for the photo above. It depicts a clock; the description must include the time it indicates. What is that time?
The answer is 4:35:32
